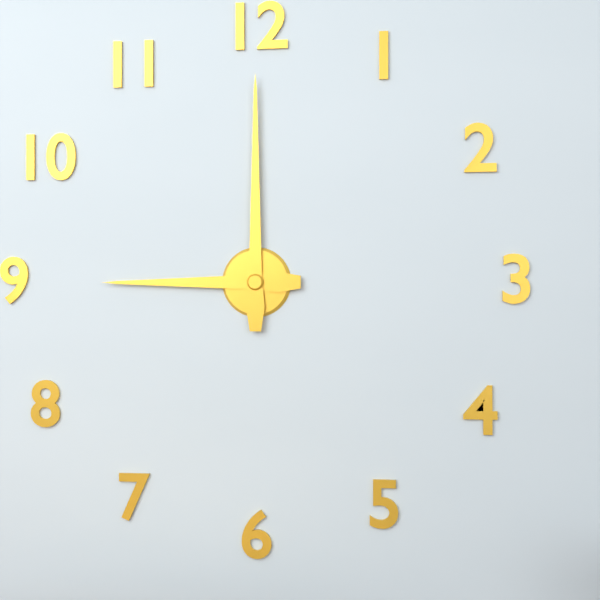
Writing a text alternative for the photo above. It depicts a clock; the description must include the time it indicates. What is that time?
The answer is 9:00
